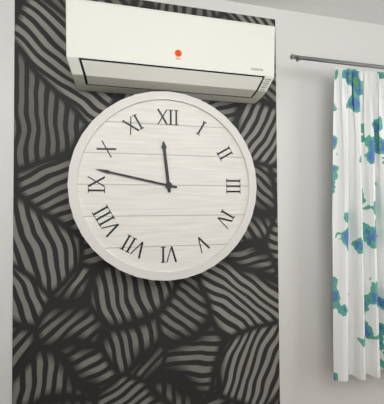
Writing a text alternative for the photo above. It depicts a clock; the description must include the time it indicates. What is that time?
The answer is 11:47
